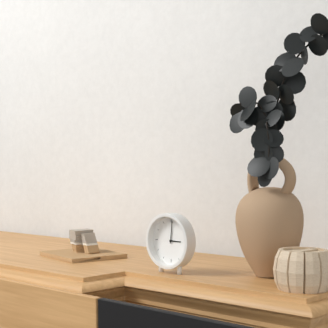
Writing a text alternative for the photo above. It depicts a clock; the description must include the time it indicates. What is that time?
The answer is 3:01
